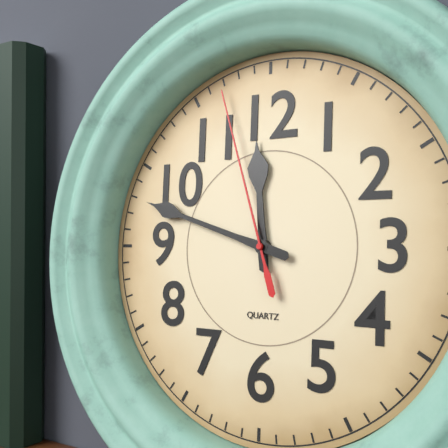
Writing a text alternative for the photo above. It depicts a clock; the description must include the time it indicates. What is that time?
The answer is 11:48:57
